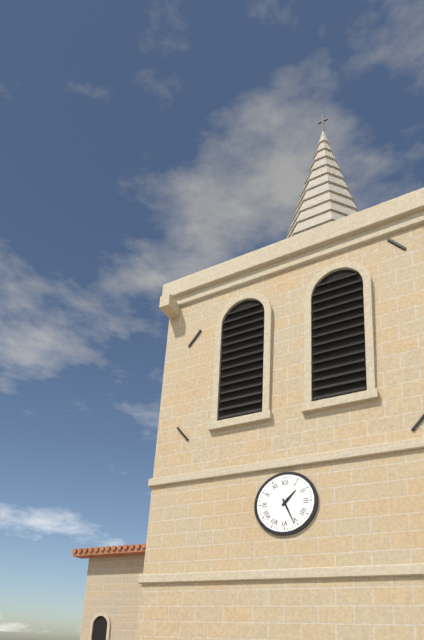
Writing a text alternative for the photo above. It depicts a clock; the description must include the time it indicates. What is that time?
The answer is 1:26
